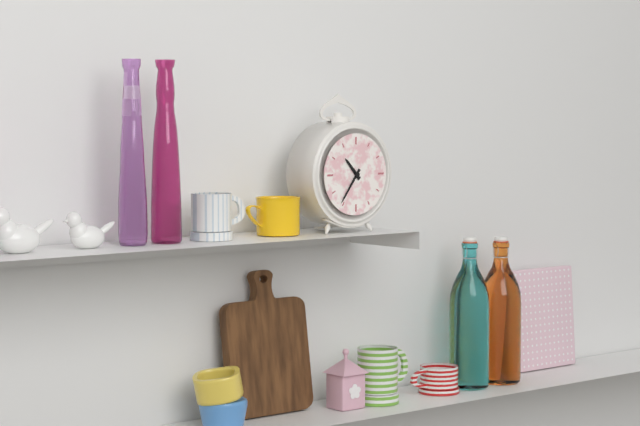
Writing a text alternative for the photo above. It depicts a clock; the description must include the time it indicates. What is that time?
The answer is 10:36
